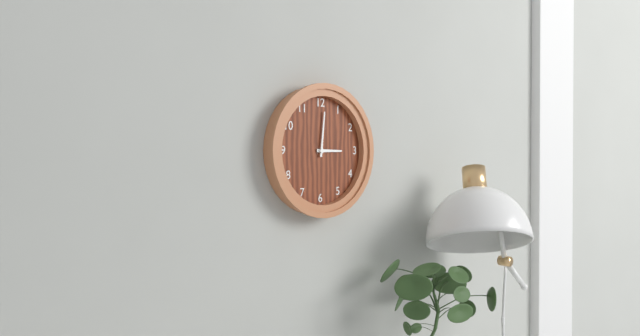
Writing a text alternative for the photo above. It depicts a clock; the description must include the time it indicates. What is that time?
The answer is 3:01
